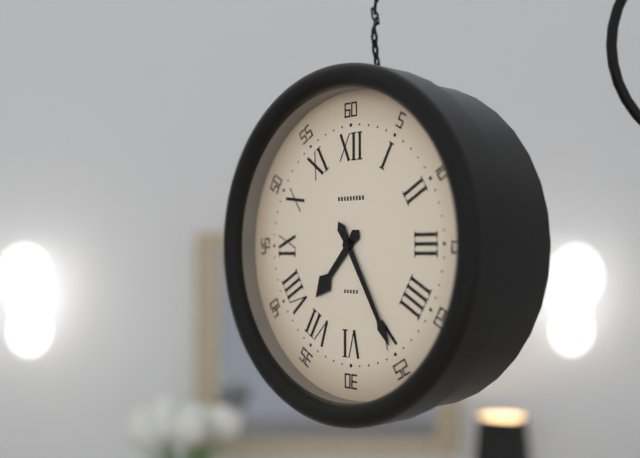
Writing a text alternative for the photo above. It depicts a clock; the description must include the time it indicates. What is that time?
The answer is 7:25
